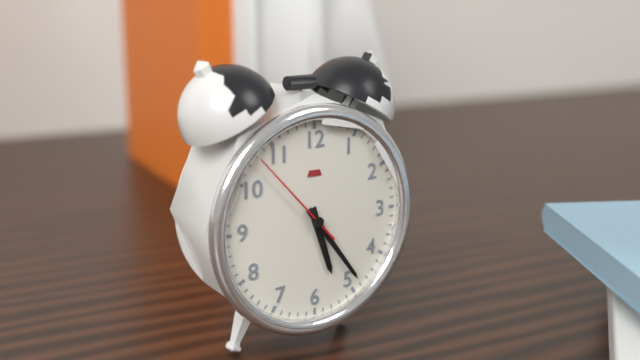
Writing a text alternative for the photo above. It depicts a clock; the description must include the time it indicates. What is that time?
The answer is 5:24:53
